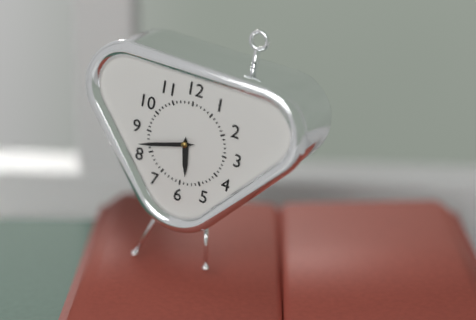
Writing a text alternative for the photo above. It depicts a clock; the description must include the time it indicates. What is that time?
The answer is 5:42
